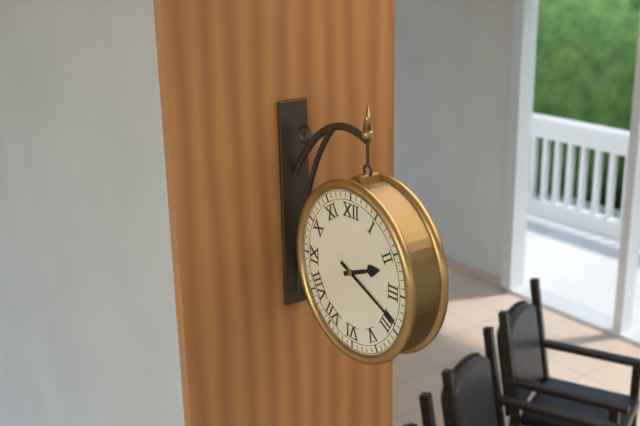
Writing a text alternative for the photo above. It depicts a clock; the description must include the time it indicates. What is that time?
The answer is 2:19
